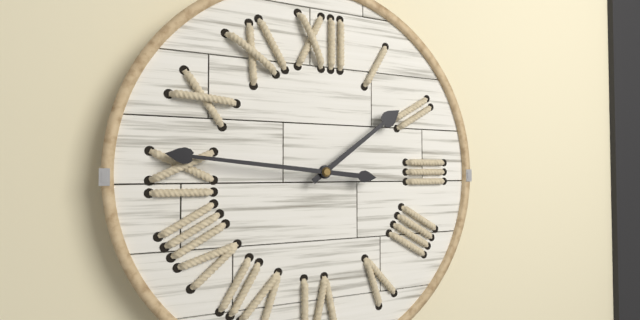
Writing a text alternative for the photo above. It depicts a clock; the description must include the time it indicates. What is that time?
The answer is 1:46
